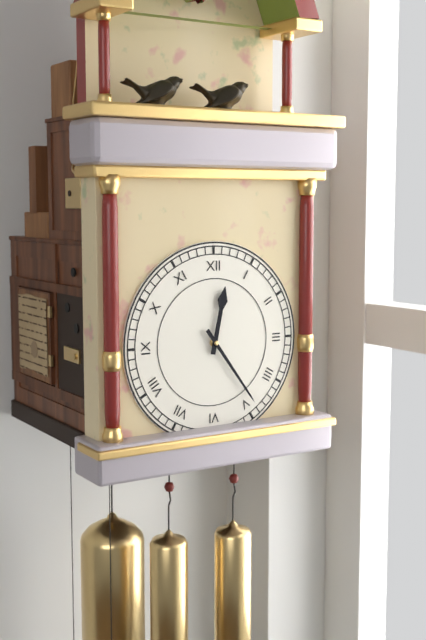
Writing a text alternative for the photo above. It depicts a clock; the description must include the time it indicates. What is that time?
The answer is 12:24
